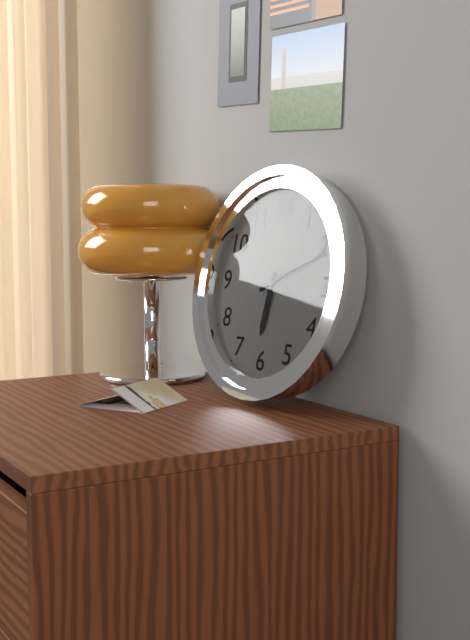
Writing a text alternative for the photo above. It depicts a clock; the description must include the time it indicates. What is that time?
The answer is 6:11
